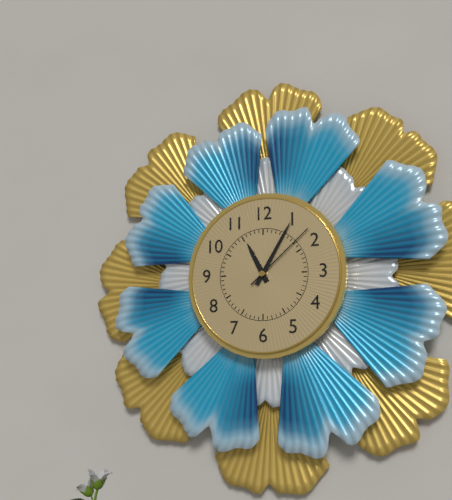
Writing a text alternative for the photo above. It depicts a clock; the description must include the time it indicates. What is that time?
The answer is 11:05:08
